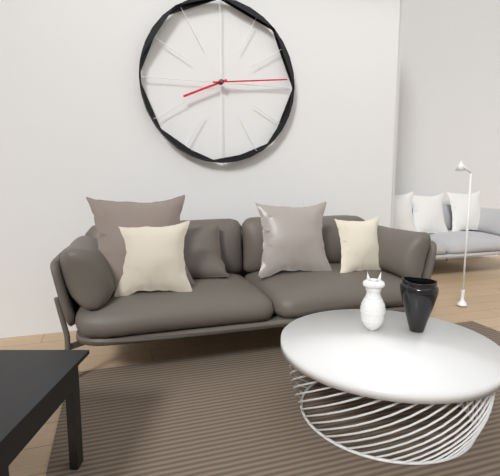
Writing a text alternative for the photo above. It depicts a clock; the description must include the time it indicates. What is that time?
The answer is 8:14
